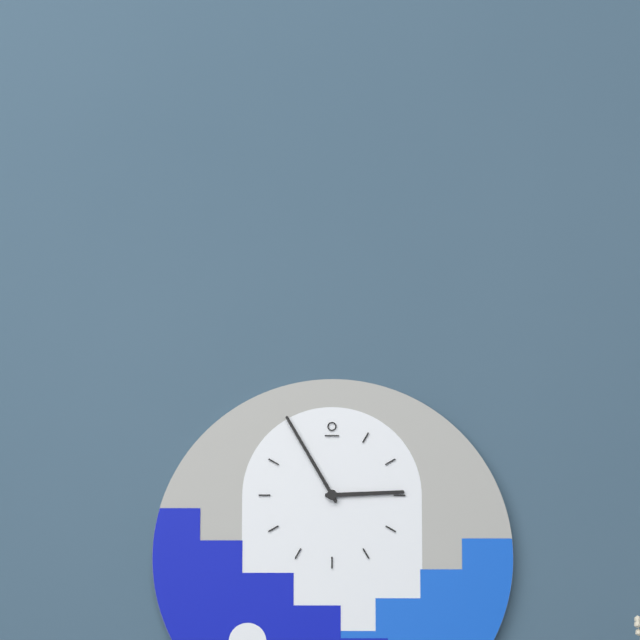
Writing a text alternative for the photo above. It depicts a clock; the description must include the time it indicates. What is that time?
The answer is 2:55
